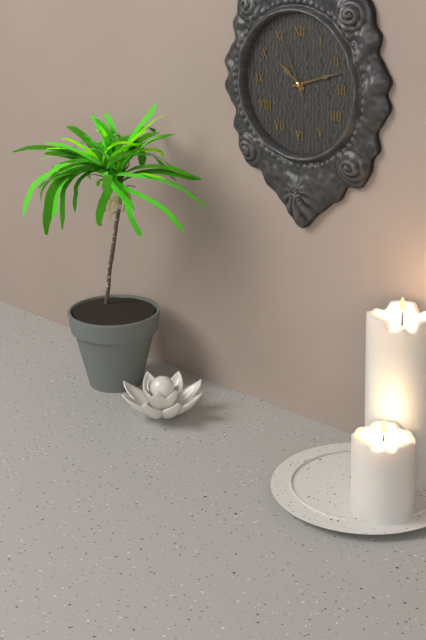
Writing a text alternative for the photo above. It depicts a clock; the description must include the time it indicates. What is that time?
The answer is 10:12:56
